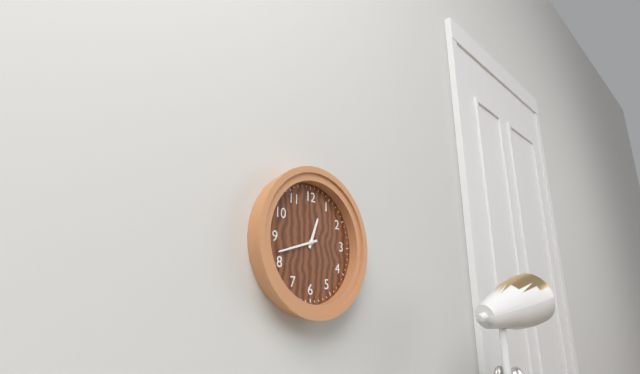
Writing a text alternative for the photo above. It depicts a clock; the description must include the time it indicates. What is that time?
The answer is 12:42
